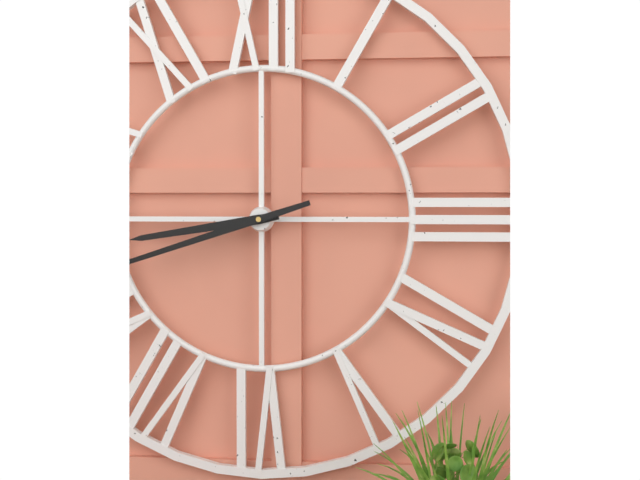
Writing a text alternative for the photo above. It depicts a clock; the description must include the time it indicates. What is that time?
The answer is 8:42
